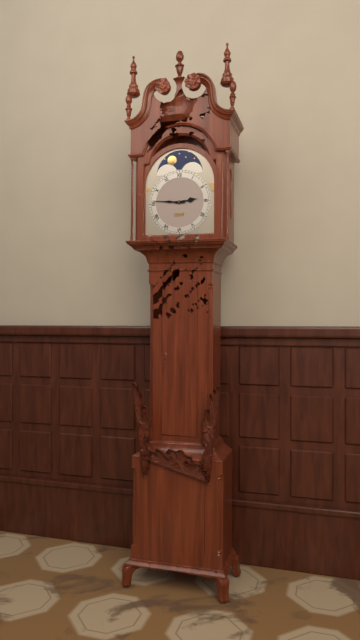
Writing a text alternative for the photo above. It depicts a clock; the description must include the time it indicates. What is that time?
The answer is 2:46
